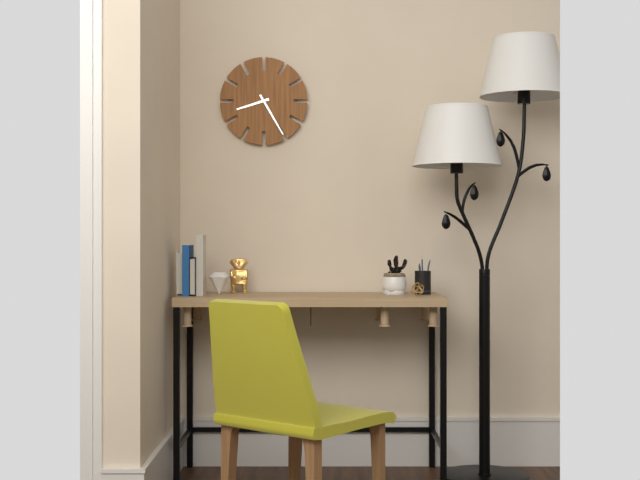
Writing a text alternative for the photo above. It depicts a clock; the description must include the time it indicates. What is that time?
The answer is 8:25
